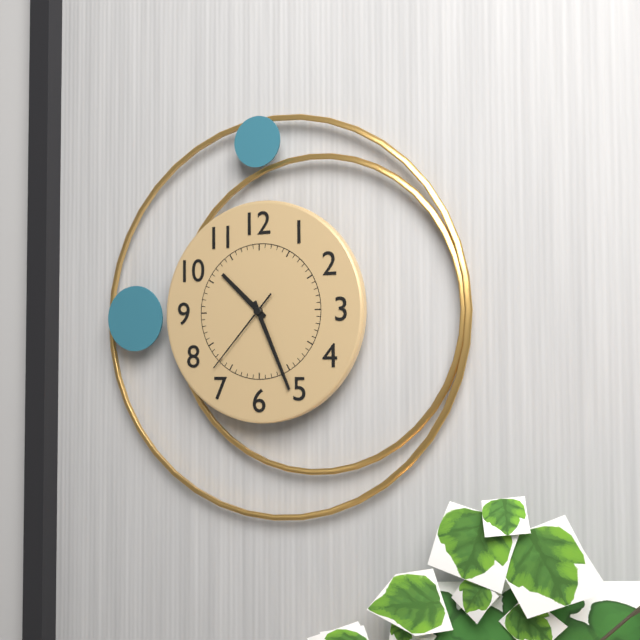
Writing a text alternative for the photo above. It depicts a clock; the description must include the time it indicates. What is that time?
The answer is 10:26:37
